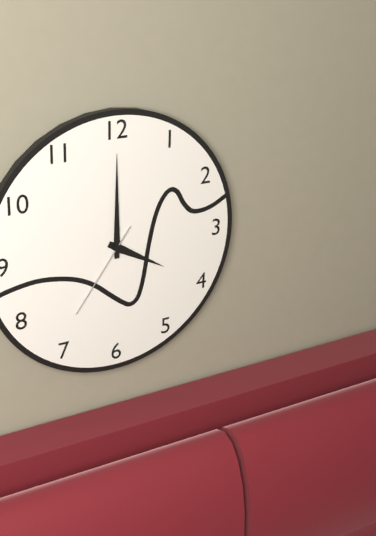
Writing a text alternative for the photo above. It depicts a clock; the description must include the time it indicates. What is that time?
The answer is 4:00:36
